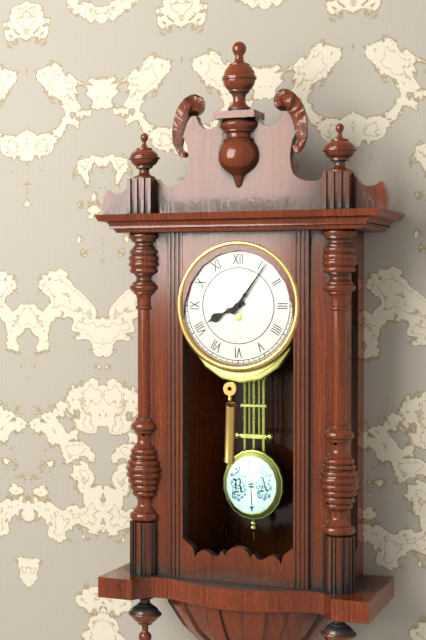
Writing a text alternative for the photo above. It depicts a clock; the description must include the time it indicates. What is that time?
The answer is 8:06
